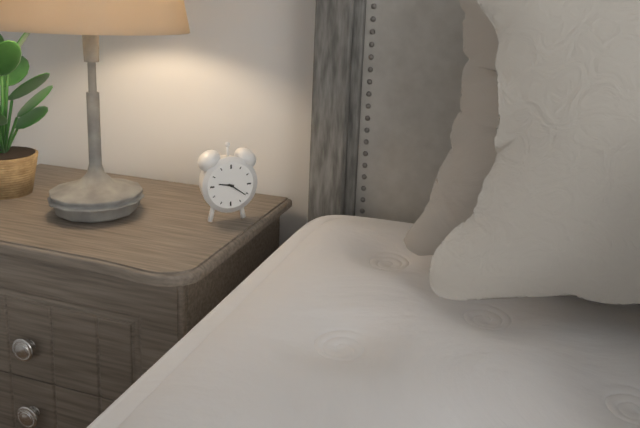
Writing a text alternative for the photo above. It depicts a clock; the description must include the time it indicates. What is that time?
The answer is 9:21
